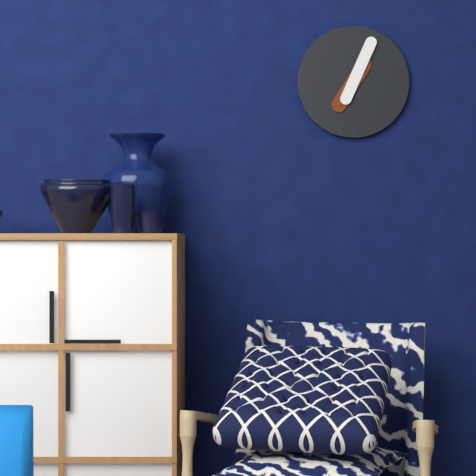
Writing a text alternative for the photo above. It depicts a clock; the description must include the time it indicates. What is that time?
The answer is 7:04
